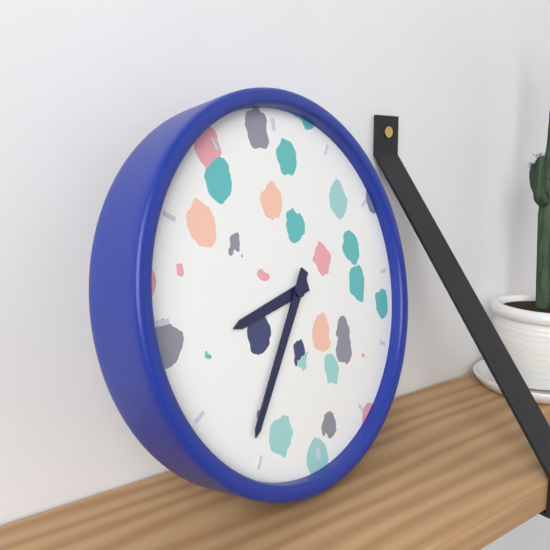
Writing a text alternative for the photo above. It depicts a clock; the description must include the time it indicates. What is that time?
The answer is 8:36
